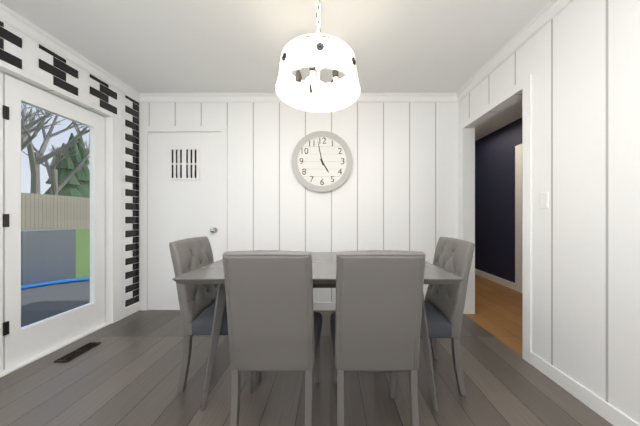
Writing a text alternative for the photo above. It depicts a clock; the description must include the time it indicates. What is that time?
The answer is 4:58
